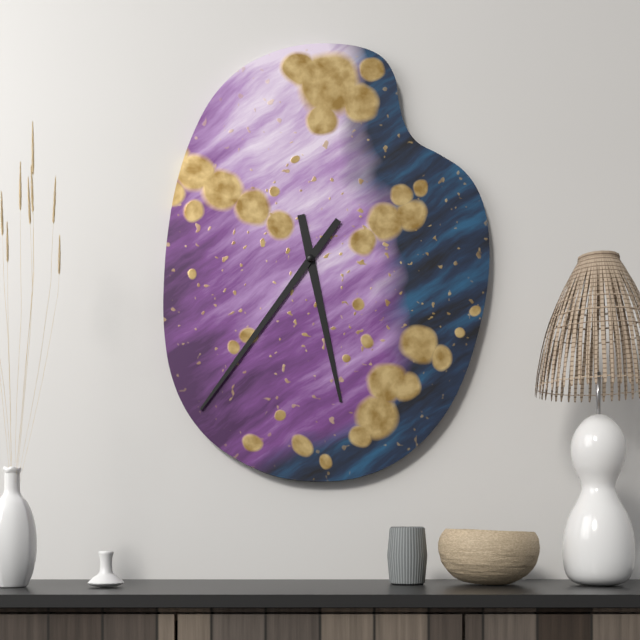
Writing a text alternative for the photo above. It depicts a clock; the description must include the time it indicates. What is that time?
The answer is 5:36
